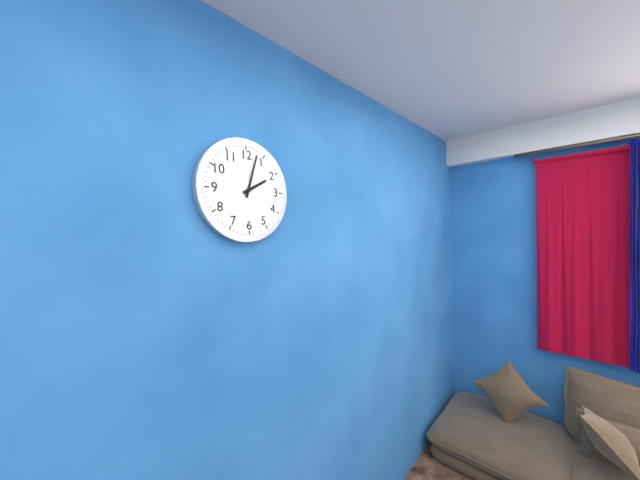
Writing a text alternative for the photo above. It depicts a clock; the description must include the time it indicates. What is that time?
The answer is 2:03
